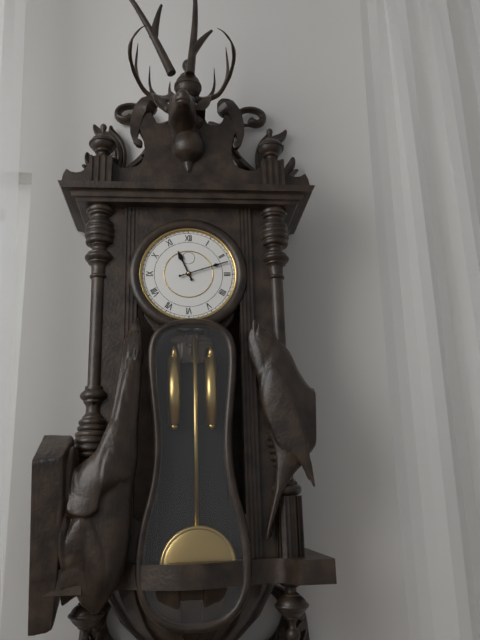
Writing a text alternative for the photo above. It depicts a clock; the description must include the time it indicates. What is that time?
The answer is 11:12
